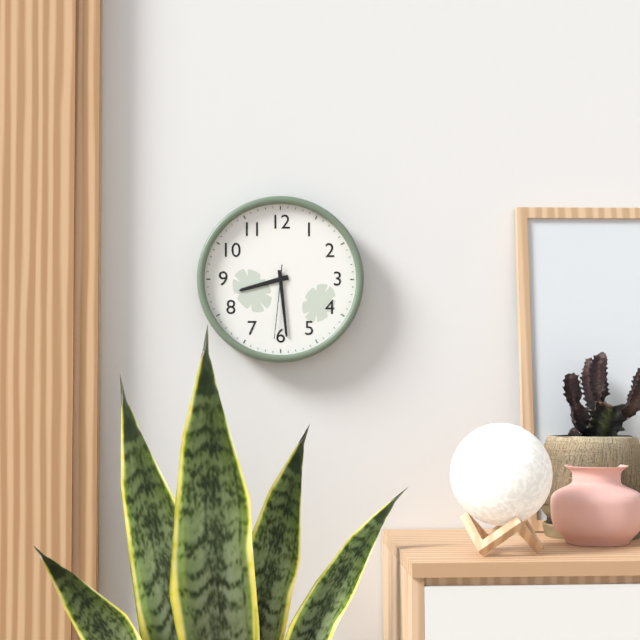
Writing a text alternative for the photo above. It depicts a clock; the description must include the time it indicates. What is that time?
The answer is 8:29:31
